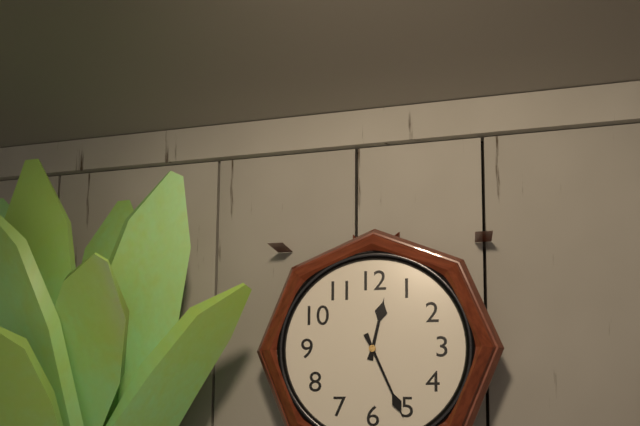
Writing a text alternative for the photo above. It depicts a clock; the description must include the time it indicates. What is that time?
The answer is 12:26
